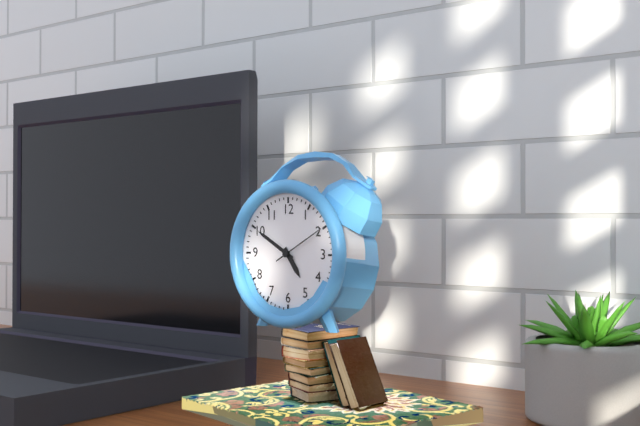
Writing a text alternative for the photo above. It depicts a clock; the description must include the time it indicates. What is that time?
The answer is 4:50:10
